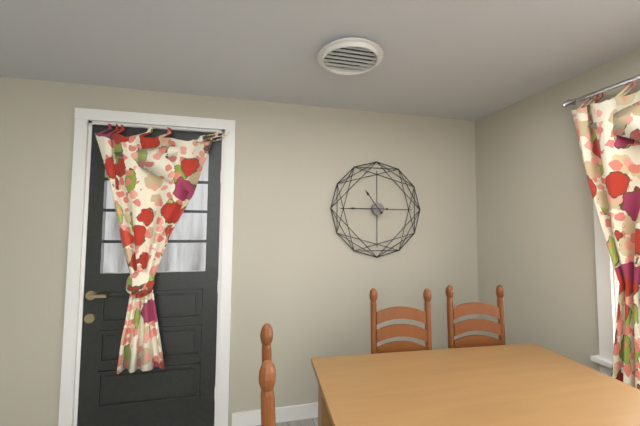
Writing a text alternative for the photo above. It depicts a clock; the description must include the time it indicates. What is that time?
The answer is 10:45
